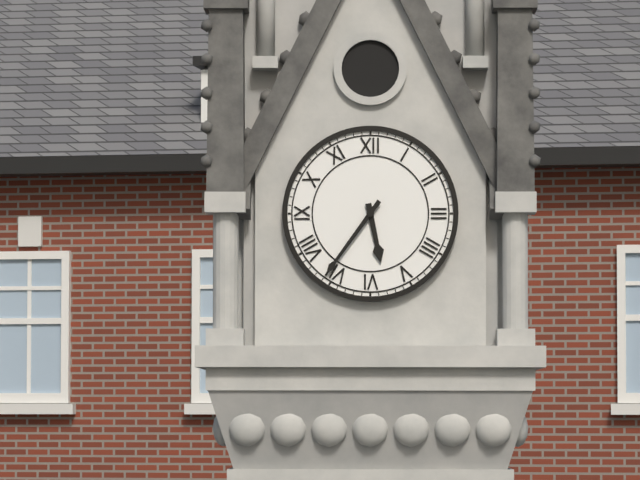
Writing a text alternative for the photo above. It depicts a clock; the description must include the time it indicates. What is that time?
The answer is 5:36
